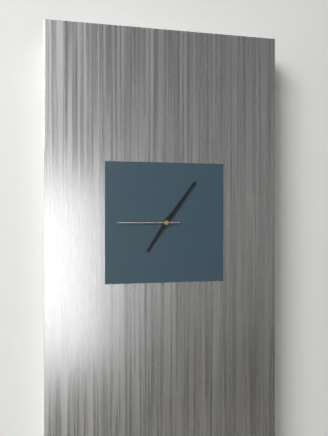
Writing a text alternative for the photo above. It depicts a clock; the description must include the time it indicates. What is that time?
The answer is 7:06:45
